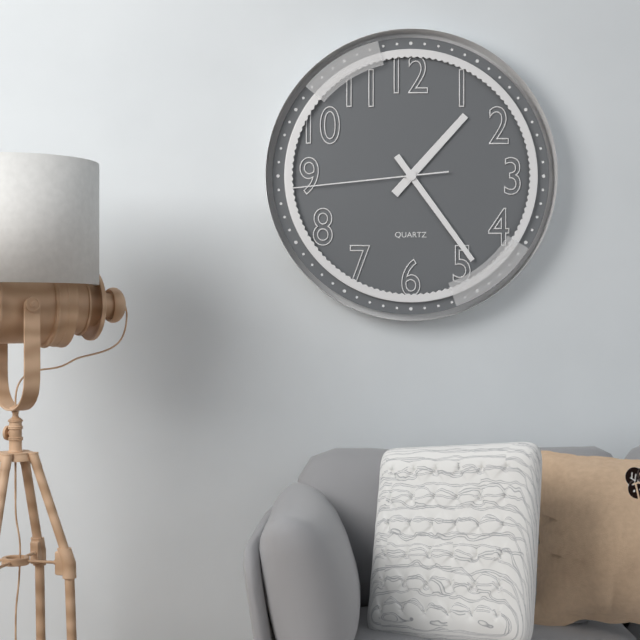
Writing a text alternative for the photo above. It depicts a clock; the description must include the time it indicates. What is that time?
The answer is 1:24:44
